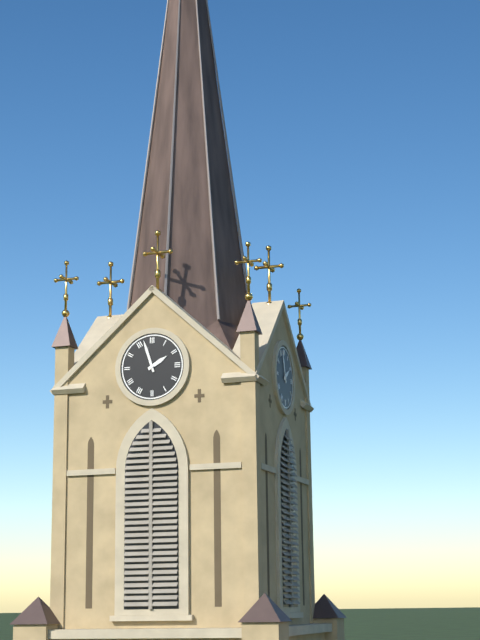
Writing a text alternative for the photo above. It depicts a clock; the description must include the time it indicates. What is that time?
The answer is 1:57
